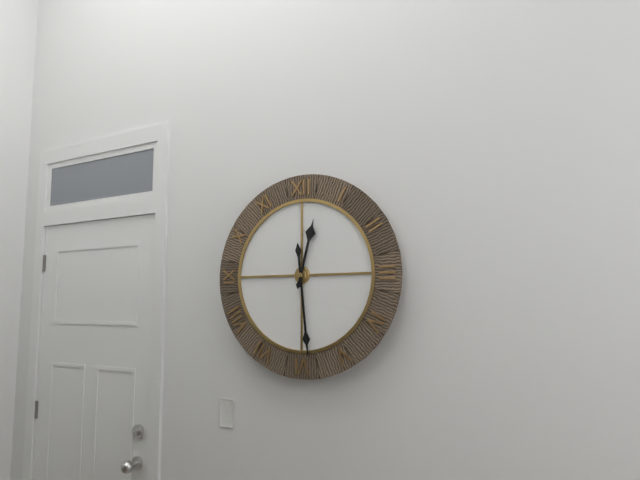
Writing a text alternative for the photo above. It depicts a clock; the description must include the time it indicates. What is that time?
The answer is 12:29
